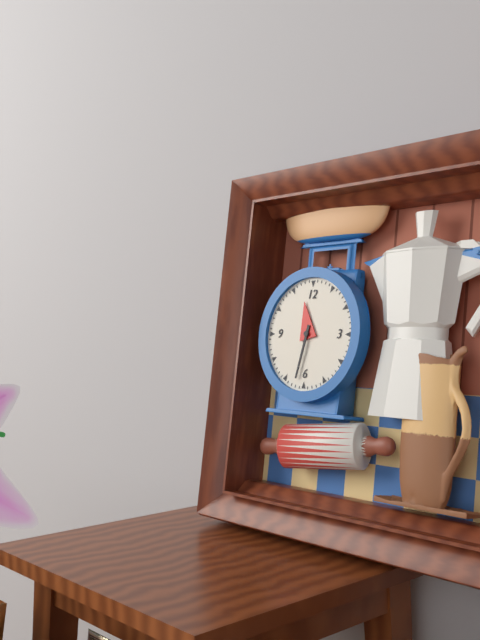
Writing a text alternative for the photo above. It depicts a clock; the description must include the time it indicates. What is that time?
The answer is 11:32
